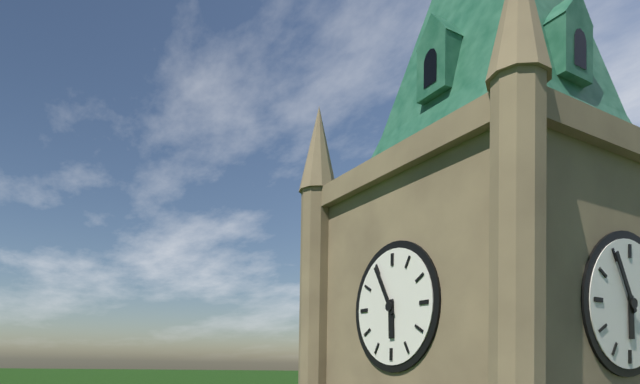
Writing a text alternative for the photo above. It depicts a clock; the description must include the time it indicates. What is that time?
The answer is 5:55
